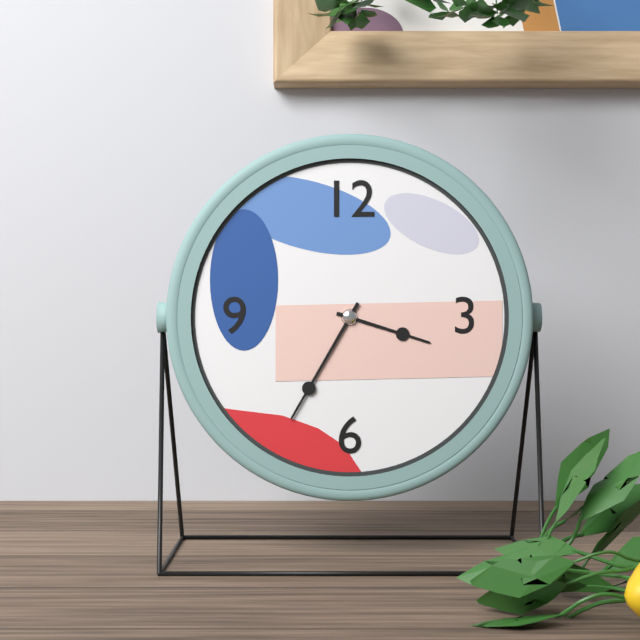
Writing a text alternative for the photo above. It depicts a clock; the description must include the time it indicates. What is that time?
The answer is 3:35
